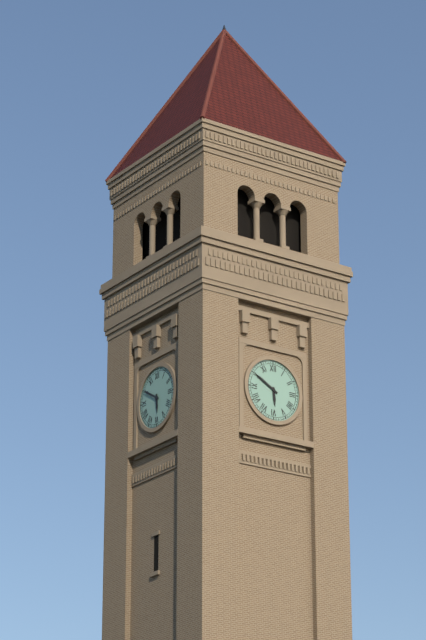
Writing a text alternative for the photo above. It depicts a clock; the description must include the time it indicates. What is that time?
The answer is 5:50
